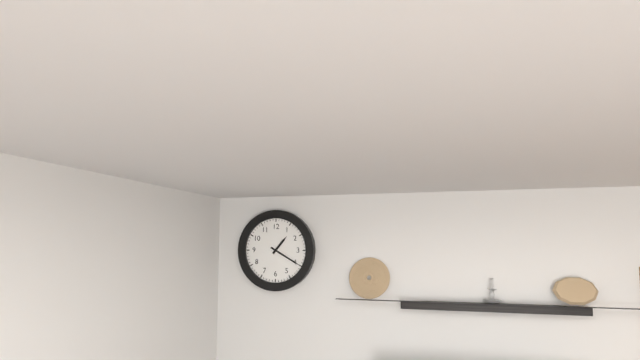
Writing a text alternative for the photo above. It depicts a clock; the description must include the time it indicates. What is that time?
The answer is 1:20
